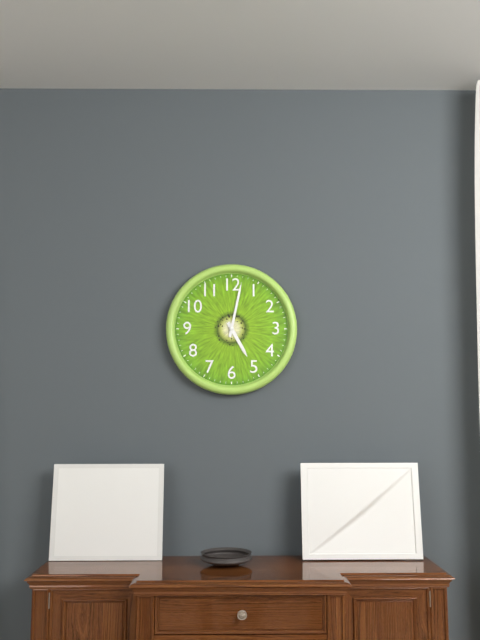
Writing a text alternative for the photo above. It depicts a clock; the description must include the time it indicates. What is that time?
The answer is 5:02
